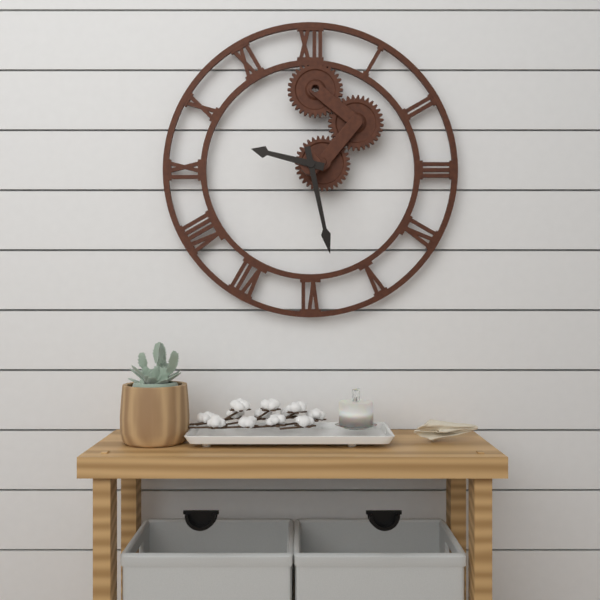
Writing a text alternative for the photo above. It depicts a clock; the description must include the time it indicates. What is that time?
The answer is 9:28
